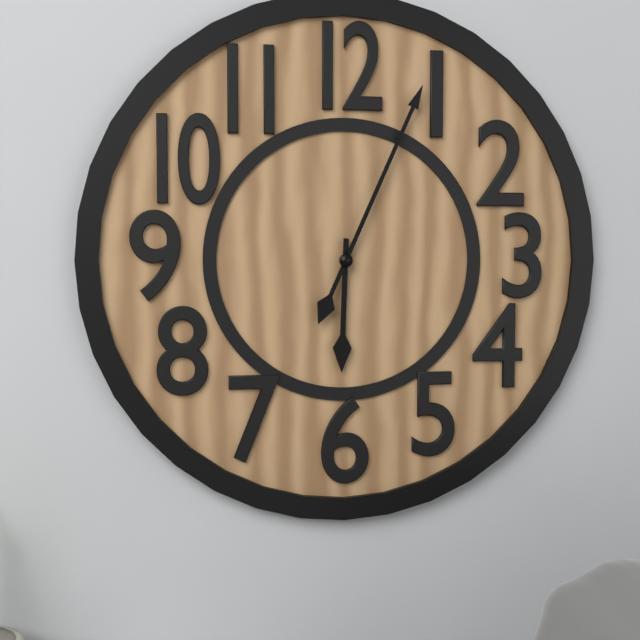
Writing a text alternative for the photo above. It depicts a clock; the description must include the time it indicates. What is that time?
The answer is 6:04
